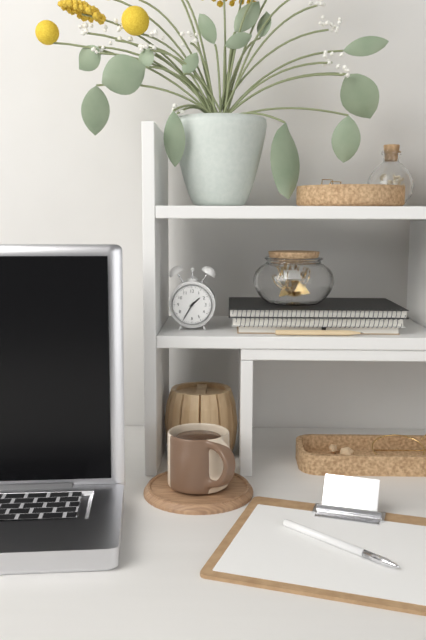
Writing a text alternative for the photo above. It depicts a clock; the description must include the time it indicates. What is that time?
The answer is 1:35
